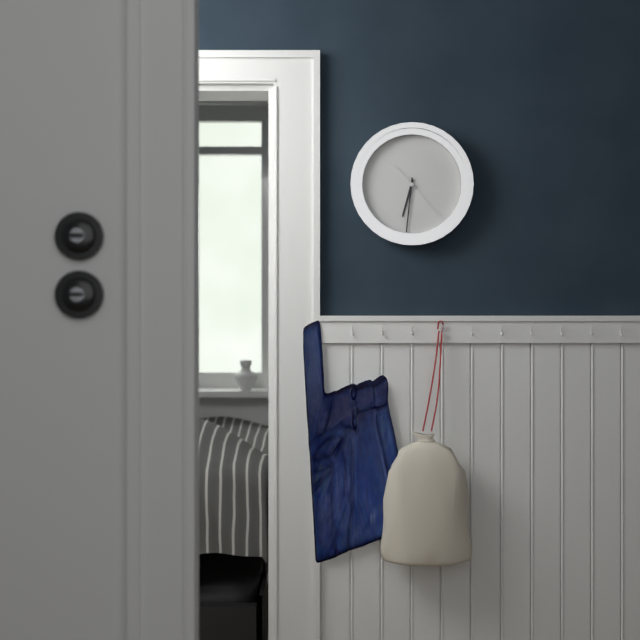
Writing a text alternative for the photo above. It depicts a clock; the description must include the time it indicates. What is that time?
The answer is 6:31:23
